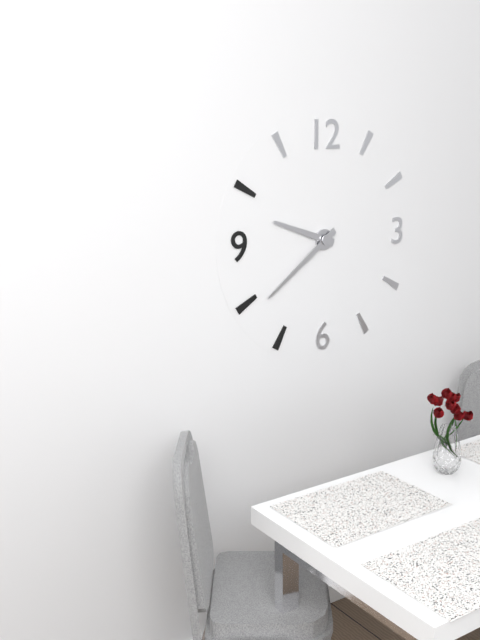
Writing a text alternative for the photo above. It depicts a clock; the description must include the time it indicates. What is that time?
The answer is 9:39
